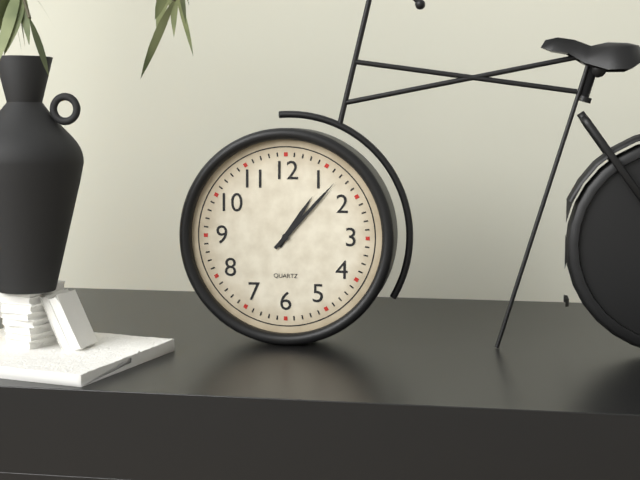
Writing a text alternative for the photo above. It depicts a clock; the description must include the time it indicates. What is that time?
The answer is 1:07
